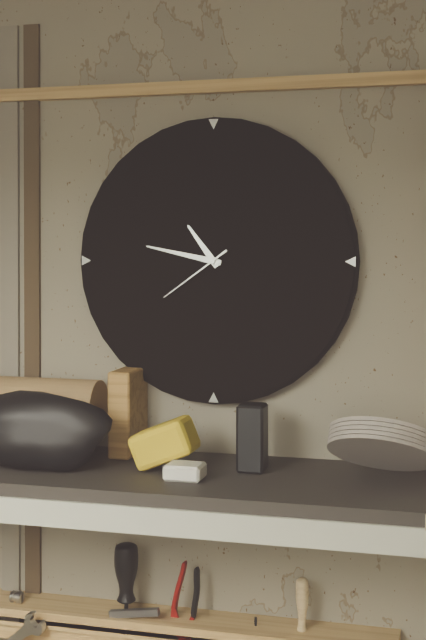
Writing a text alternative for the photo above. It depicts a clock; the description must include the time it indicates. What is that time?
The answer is 10:47:39
